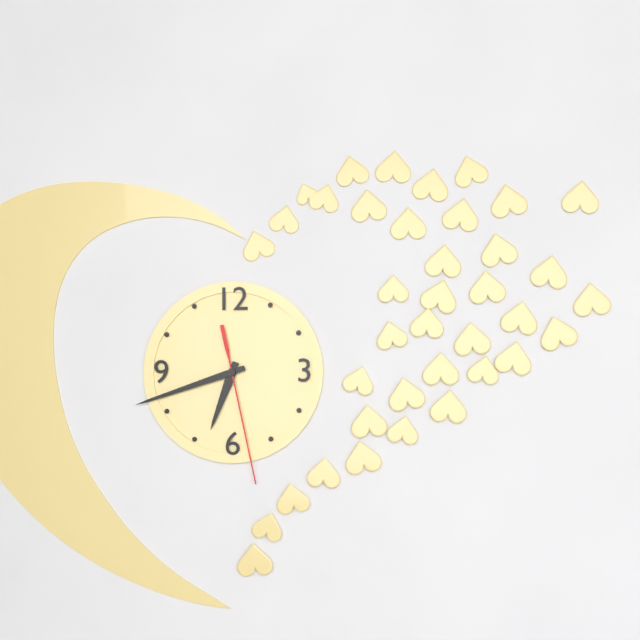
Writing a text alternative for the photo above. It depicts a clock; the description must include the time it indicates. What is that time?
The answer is 6:42:28
